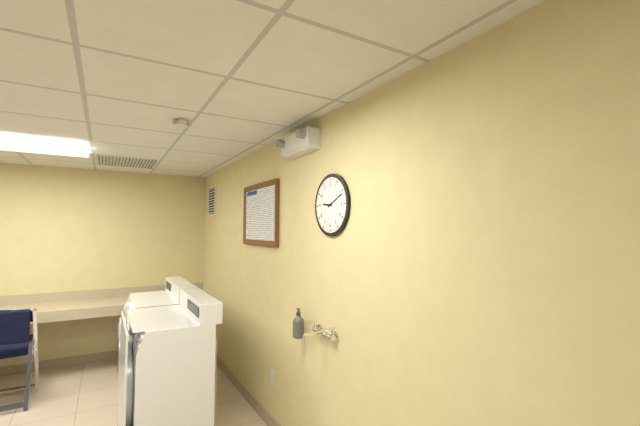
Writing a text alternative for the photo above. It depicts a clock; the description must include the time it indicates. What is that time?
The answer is 9:11
